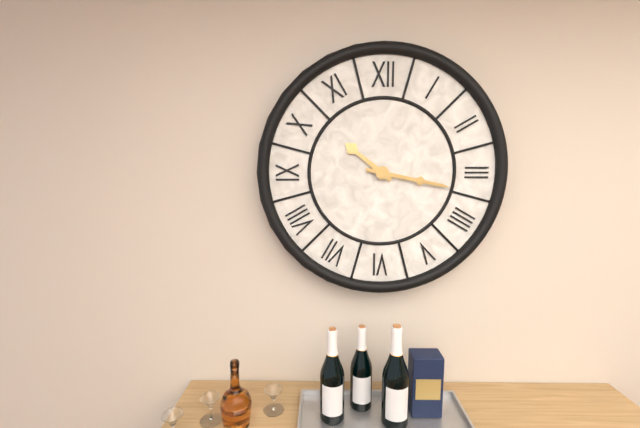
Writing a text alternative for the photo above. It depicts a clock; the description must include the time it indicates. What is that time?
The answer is 10:17
